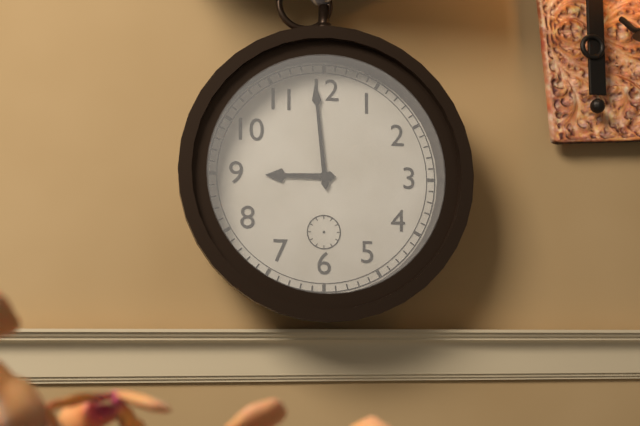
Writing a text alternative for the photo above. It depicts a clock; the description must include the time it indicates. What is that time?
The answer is 8:59
